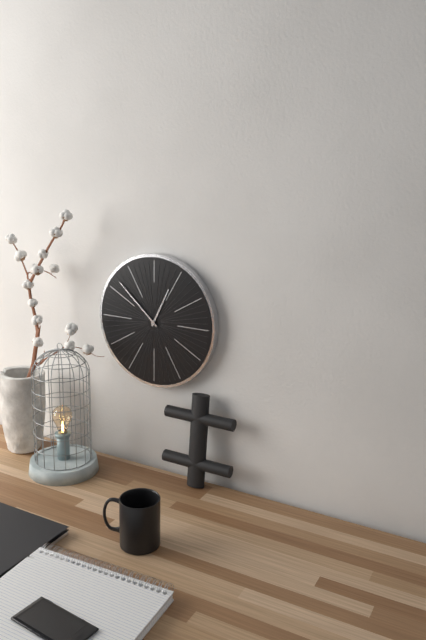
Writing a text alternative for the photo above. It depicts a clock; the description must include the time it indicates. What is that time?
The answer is 12:52
